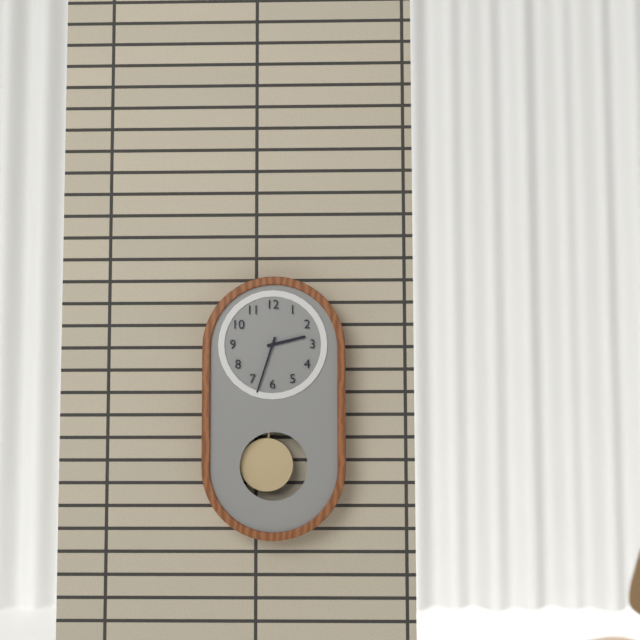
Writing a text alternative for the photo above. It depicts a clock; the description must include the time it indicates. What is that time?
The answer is 2:33
